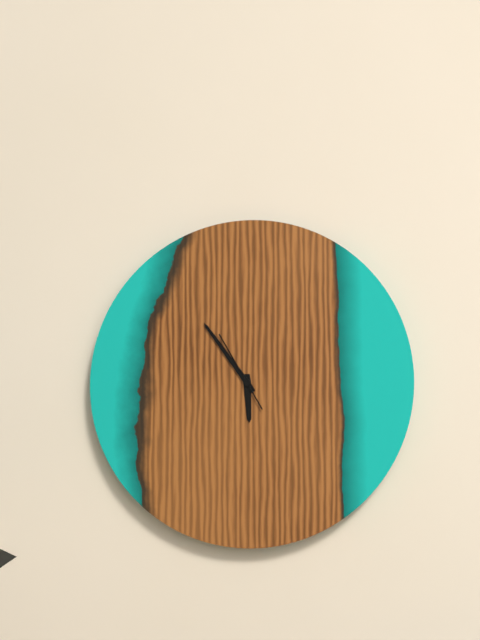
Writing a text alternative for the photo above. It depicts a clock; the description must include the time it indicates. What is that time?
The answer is 5:54:55
